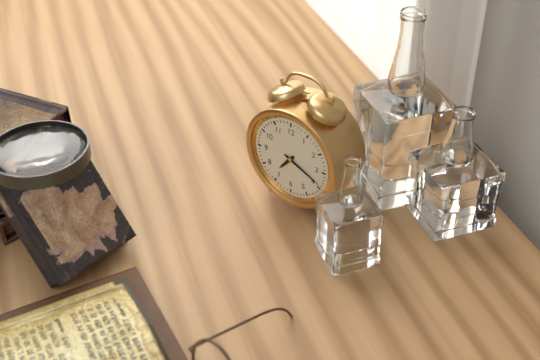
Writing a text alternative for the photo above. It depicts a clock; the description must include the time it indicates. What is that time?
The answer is 7:19
